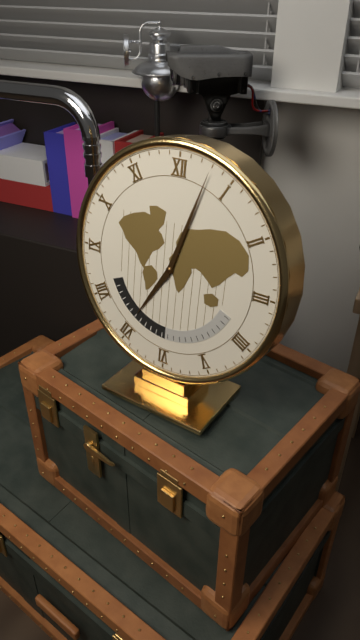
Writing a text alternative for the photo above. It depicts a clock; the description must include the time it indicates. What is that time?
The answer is 7:03
